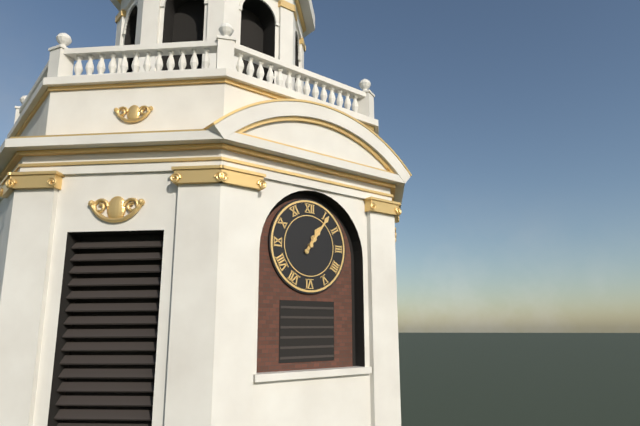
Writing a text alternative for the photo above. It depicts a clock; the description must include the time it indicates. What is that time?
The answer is 1:06
